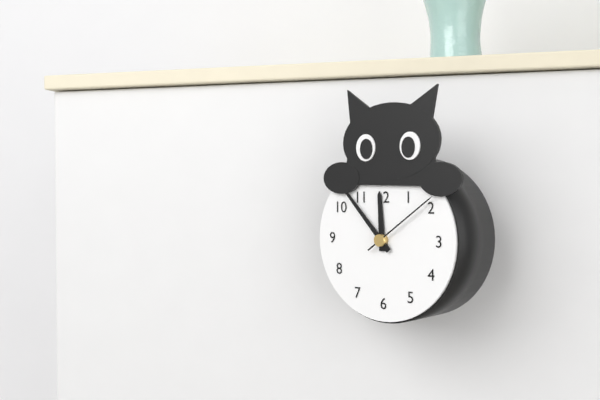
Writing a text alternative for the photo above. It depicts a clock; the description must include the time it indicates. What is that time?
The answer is 11:53:09
